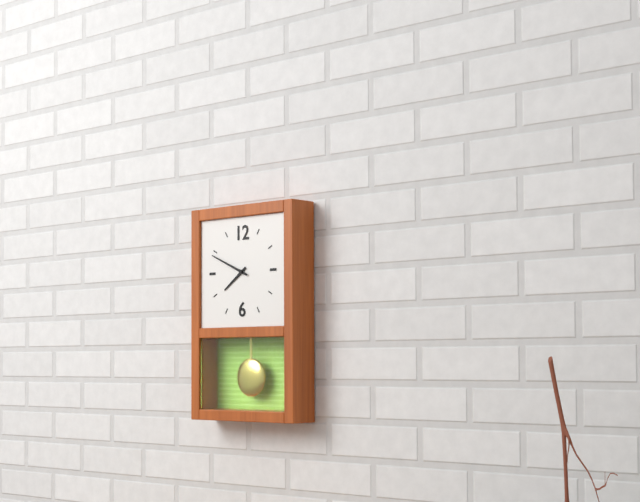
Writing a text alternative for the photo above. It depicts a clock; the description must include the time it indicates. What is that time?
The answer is 7:49
